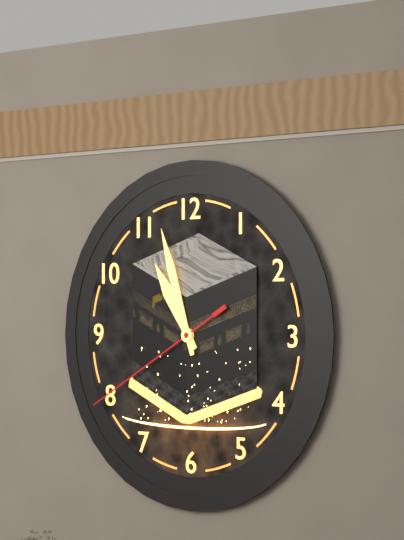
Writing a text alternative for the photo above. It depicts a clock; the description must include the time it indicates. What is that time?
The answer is 10:57:40
